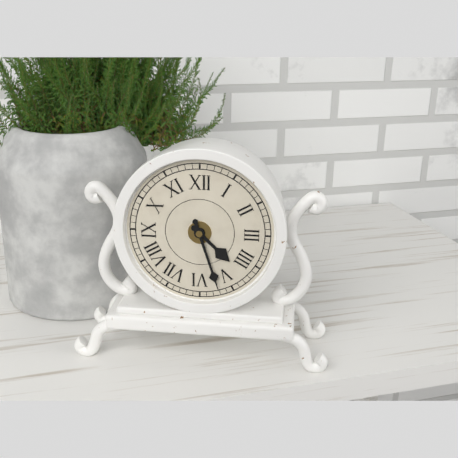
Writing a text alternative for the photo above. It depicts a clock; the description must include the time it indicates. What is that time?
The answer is 4:27
